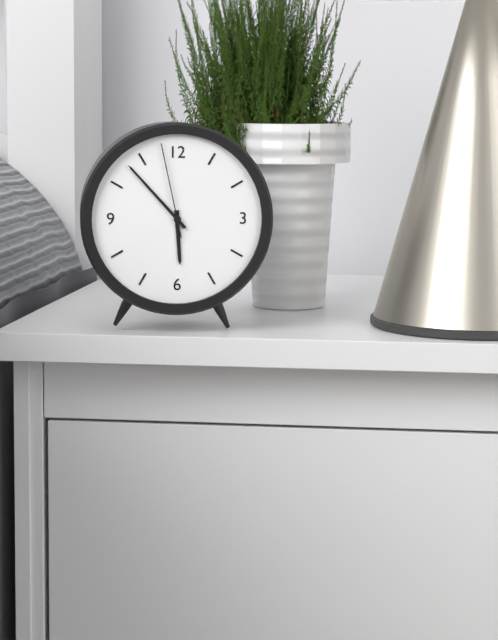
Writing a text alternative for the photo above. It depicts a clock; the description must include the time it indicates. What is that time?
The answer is 5:53:58
